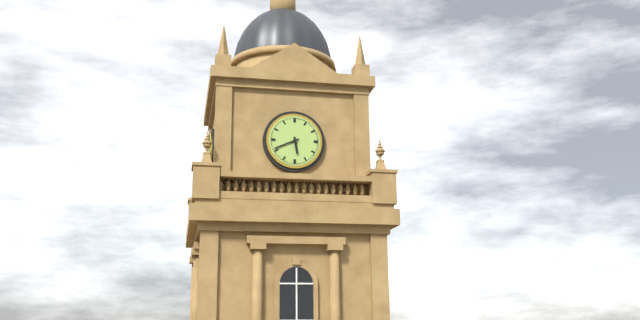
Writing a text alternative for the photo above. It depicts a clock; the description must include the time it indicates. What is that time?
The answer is 5:41
